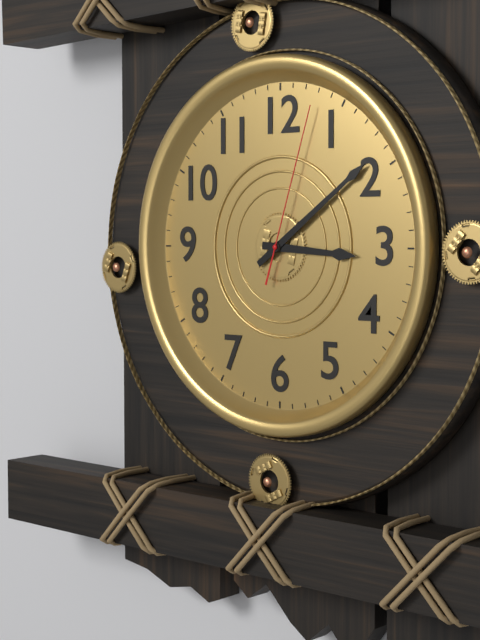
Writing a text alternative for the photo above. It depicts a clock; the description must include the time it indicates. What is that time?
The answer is 3:09:03
